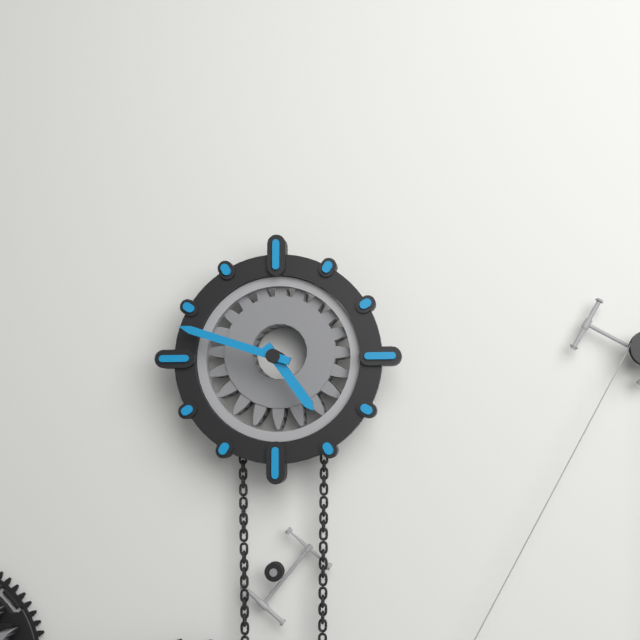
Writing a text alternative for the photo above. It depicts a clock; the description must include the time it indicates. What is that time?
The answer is 4:48
